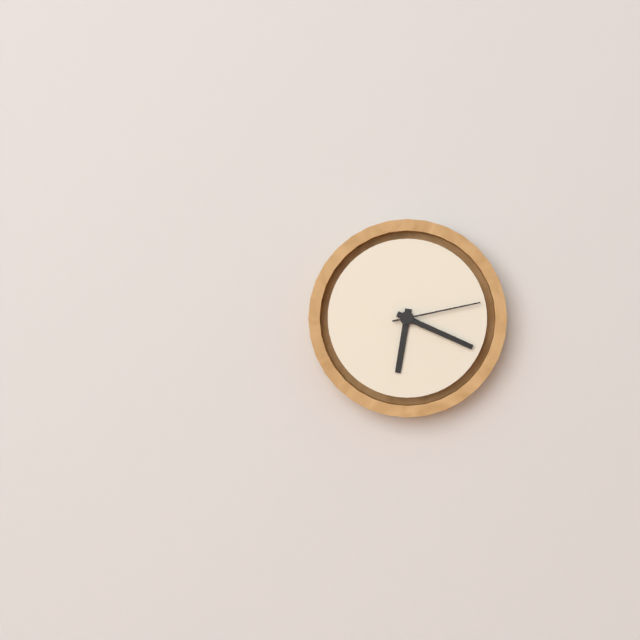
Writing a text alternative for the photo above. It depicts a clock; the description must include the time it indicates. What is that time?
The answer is 6:19:13
